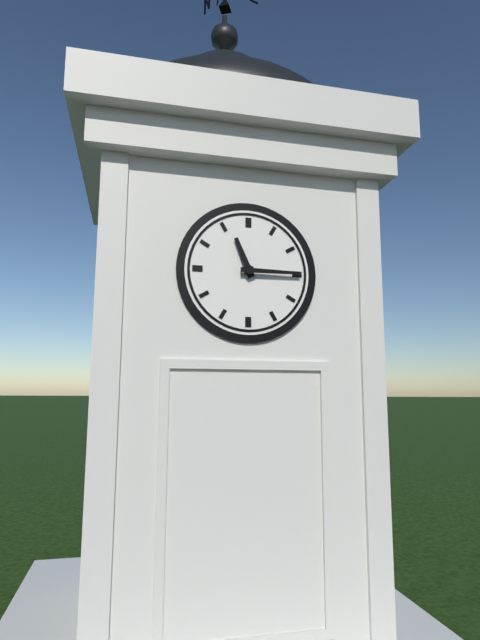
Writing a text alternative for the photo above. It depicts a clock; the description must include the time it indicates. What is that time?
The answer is 11:15
